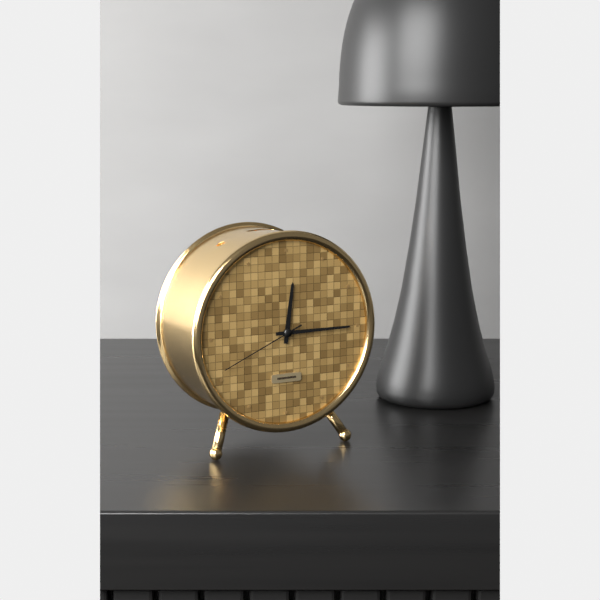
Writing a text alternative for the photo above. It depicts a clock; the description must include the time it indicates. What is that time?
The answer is 12:15:41
